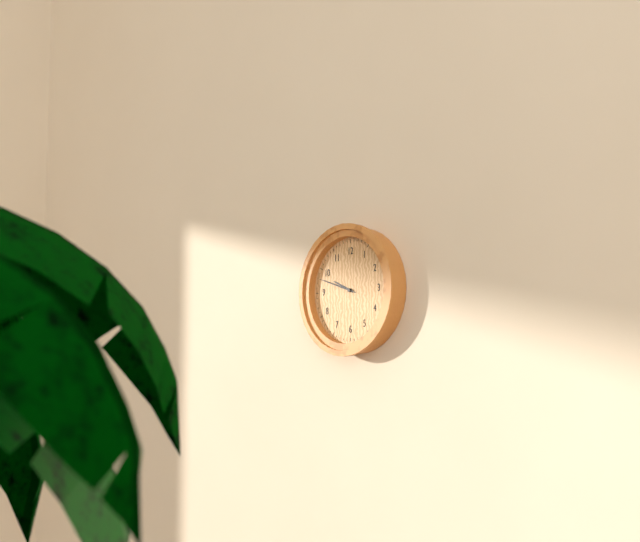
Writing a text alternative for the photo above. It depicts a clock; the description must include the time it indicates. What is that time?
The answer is 9:48
